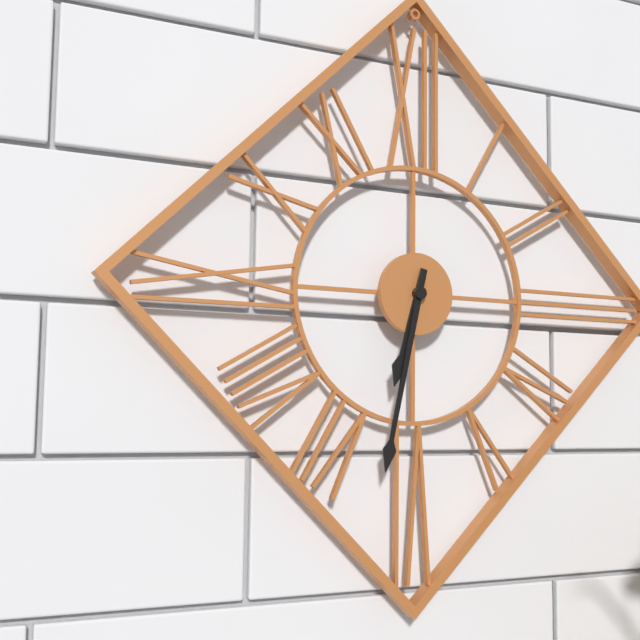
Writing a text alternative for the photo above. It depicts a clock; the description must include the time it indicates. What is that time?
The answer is 6:32
